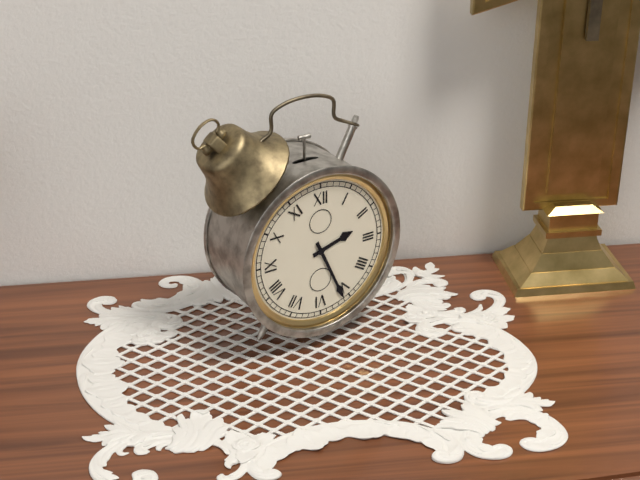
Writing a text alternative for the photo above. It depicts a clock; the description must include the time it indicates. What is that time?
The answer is 2:26
